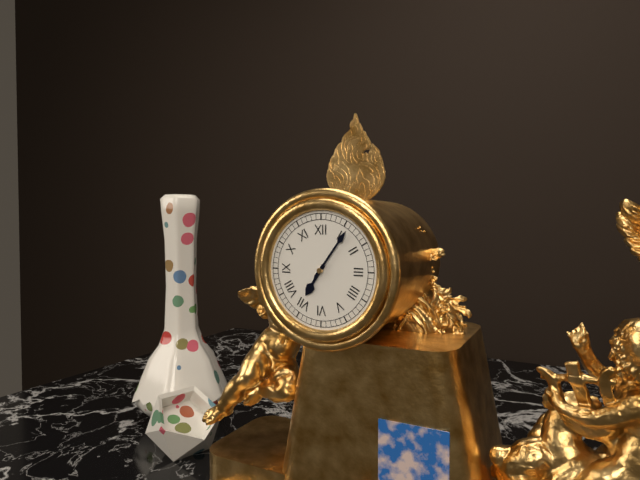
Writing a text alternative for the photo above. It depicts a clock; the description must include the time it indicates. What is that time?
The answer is 7:06
